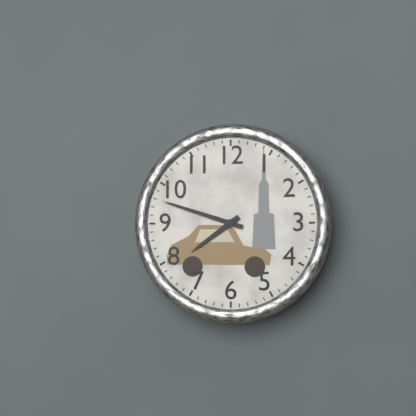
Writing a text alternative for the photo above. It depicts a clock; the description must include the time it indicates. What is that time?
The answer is 7:48
